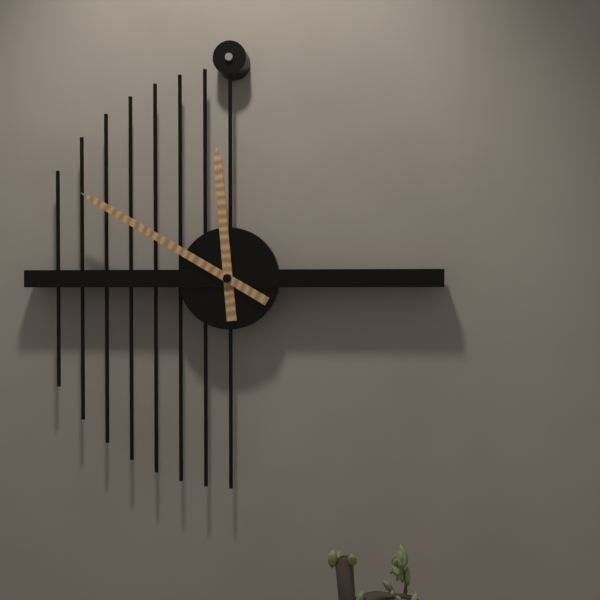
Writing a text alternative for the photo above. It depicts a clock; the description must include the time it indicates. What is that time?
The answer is 11:50
